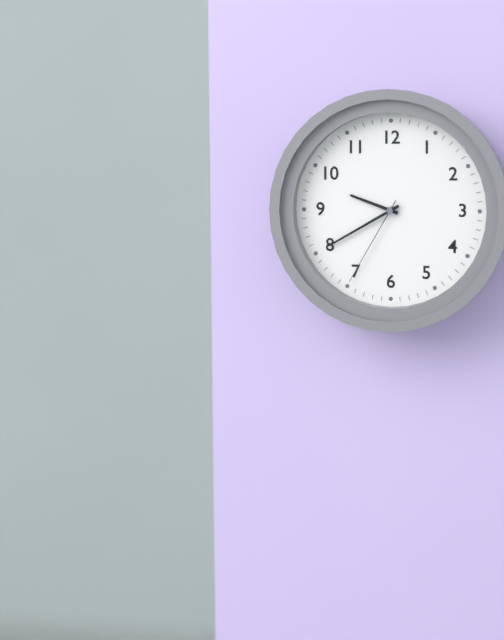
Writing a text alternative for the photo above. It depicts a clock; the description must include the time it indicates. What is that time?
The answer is 9:40:35
